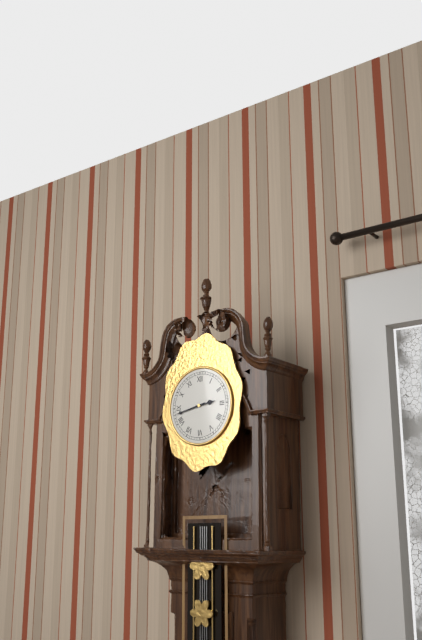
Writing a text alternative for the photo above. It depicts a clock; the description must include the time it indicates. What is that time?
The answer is 2:43
